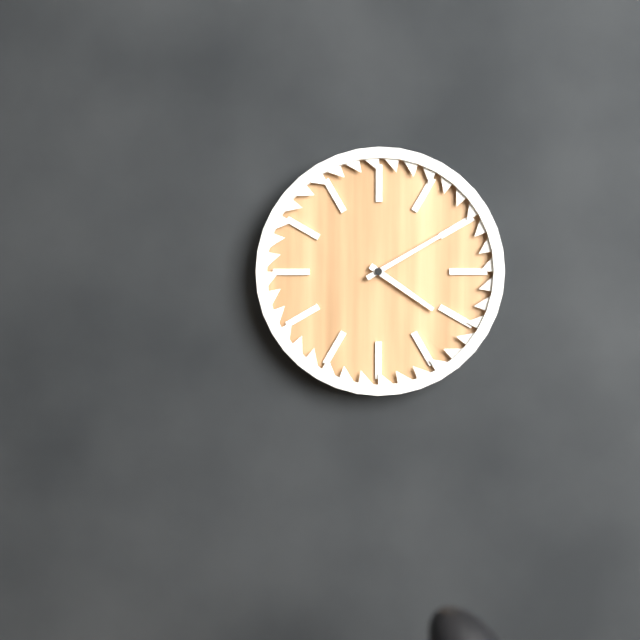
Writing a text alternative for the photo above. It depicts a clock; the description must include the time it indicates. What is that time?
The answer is 4:10
